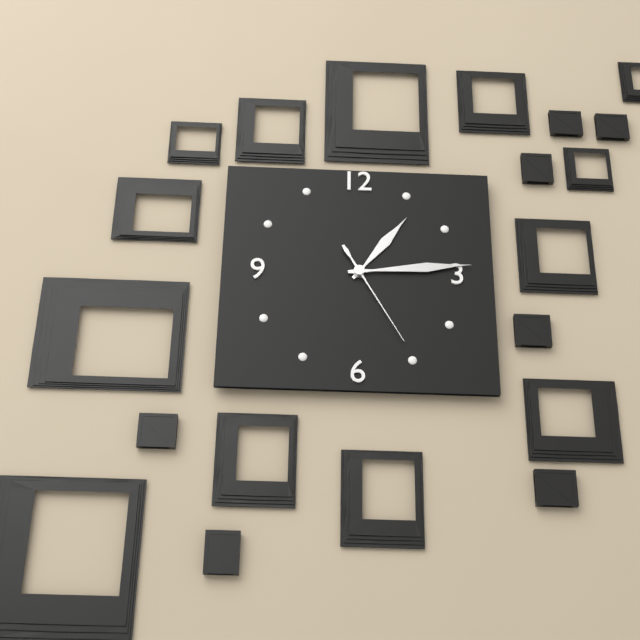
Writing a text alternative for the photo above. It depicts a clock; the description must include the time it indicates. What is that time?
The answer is 1:14:25
